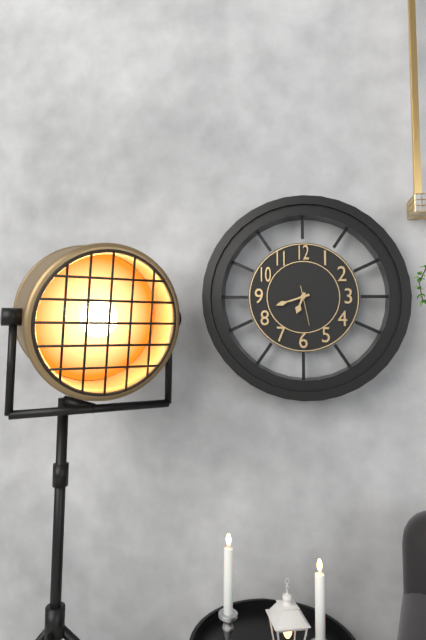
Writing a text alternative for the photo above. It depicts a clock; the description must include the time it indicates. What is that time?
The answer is 6:42
